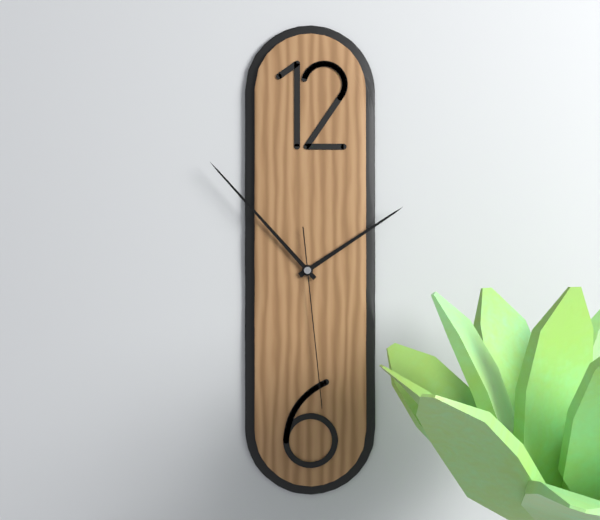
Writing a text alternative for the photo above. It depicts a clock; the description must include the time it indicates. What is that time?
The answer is 1:53:29
